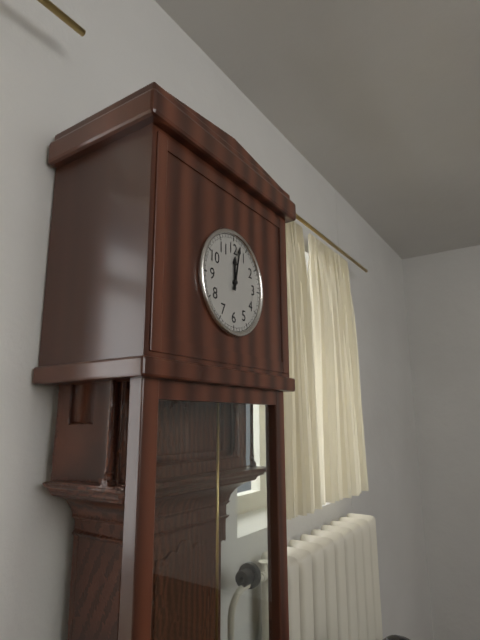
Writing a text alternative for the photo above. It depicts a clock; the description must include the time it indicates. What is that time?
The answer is 12:02
